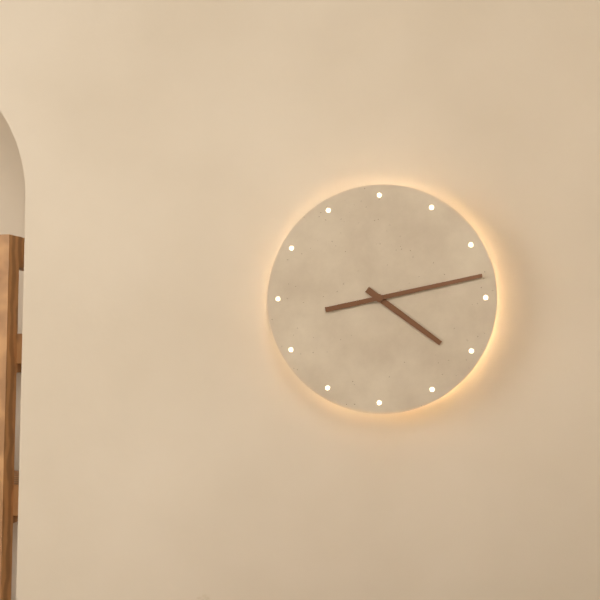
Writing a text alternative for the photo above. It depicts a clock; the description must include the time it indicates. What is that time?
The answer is 4:13
